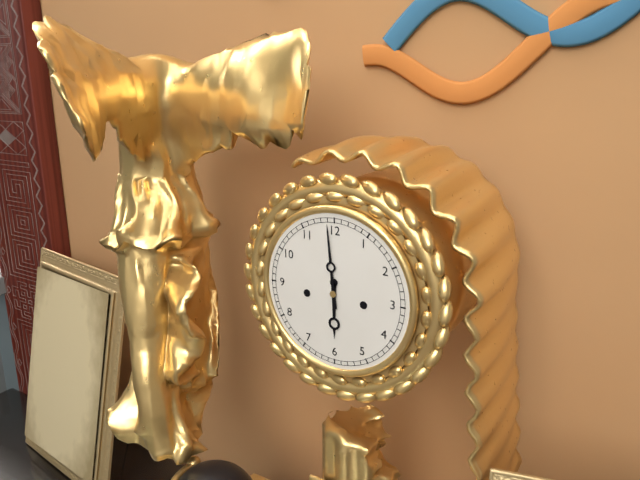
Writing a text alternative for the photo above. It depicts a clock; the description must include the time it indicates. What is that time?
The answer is 5:59
